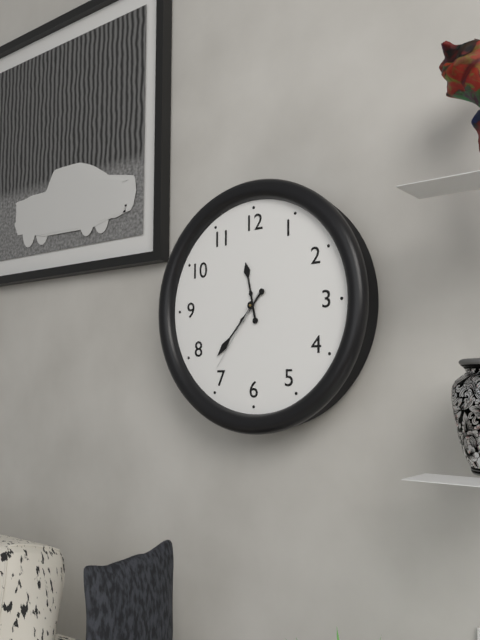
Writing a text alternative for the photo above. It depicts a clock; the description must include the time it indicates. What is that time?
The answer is 11:37:36
